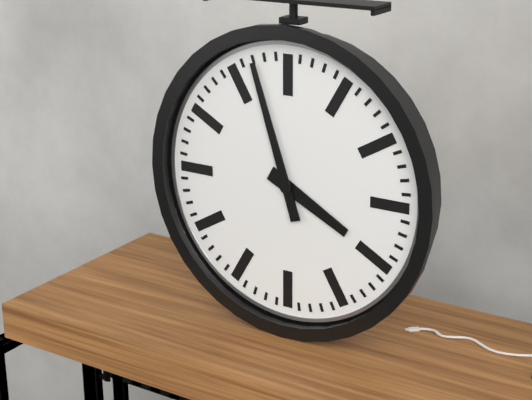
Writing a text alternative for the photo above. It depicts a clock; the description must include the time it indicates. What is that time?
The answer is 3:57
